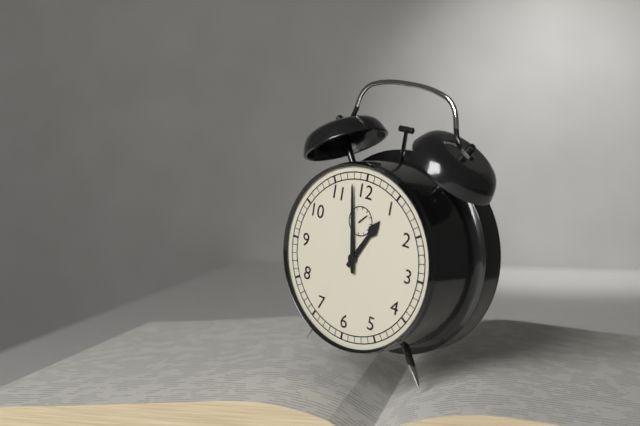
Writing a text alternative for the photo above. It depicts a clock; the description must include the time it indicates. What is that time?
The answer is 12:58
